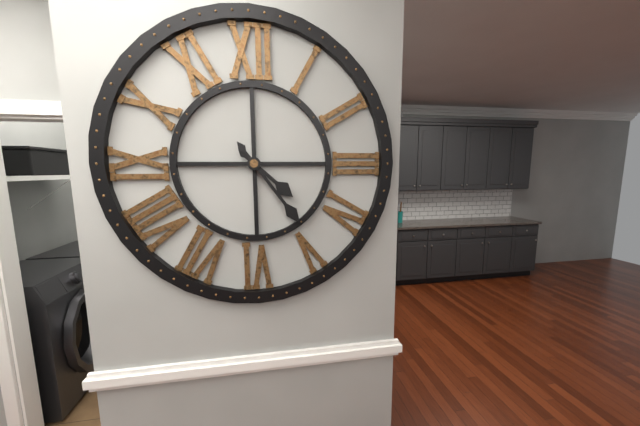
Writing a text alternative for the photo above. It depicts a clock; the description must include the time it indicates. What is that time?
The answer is 4:24
